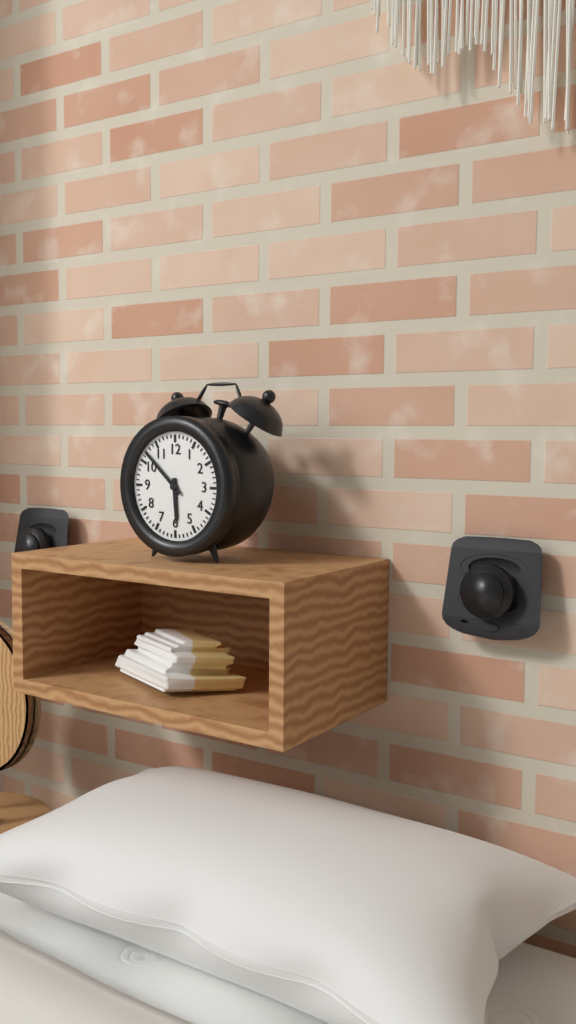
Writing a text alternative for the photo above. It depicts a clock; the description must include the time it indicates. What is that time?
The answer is 5:52
